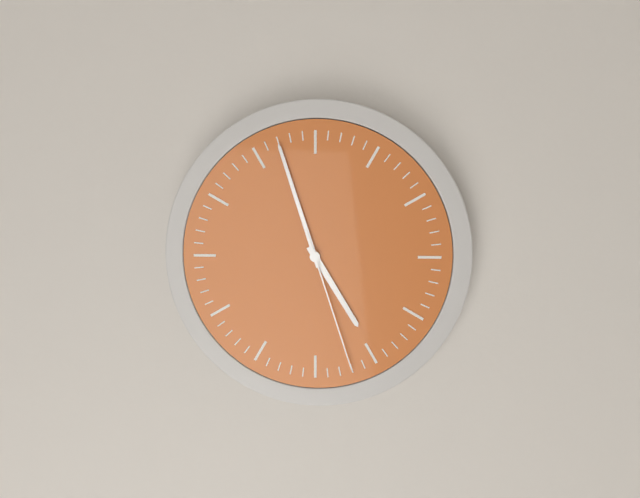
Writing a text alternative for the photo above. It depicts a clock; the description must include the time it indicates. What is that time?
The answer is 4:57:27
